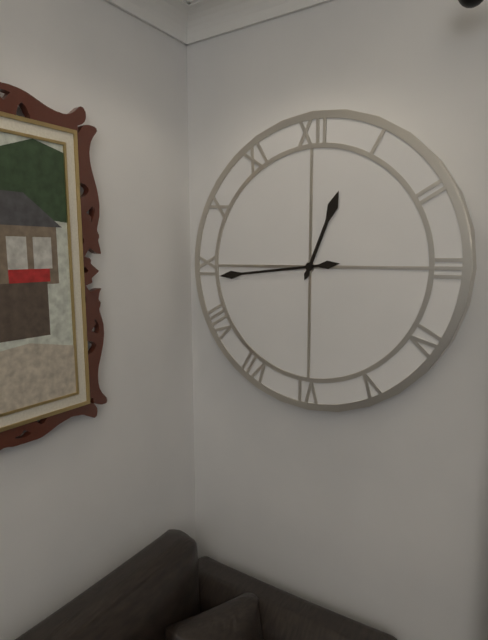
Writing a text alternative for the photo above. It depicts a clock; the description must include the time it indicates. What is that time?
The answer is 12:44
